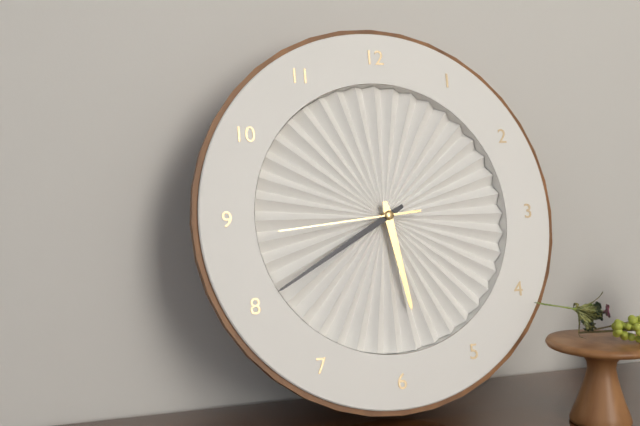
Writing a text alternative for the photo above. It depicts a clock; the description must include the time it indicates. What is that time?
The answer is 5:40:44
